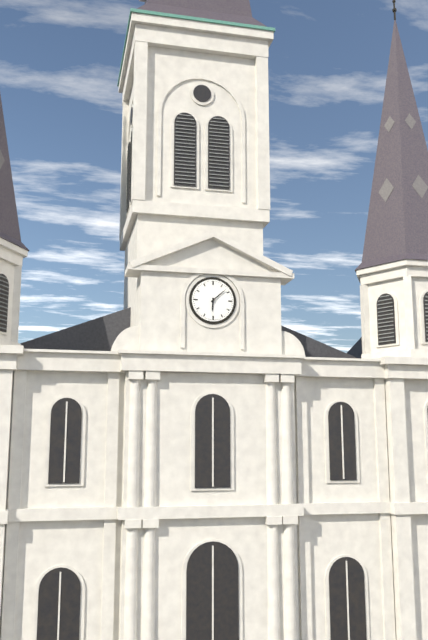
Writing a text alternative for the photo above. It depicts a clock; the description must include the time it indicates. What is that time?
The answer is 6:08
